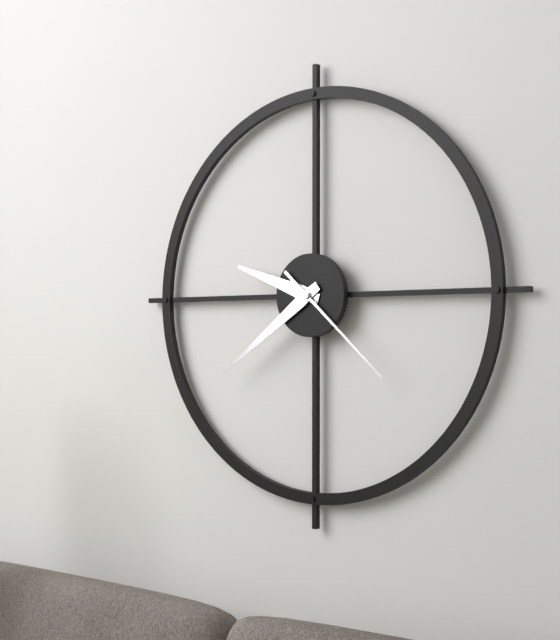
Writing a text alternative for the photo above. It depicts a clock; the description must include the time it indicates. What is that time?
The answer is 9:39:22
